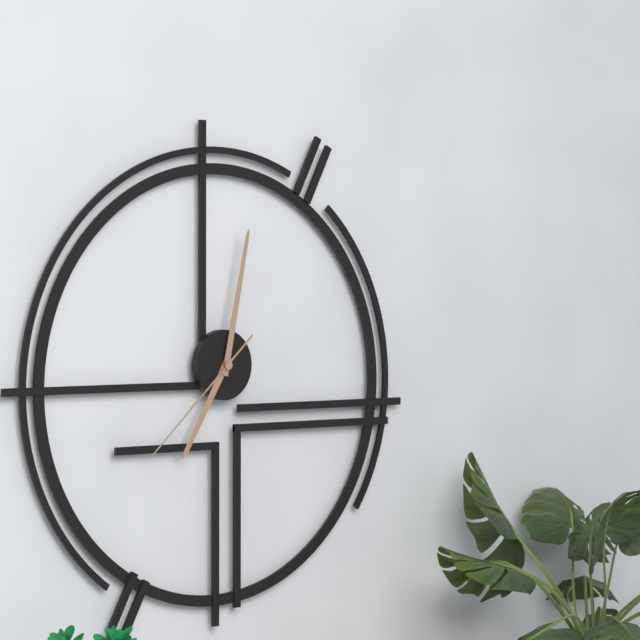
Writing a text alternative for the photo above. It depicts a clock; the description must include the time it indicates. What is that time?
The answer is 7:02:38
